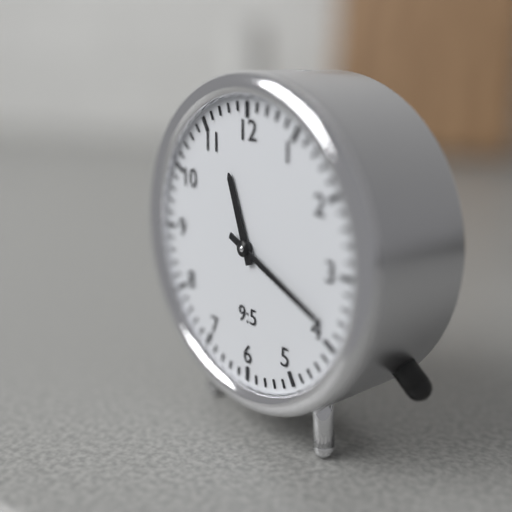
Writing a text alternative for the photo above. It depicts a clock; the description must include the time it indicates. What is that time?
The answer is 11:19
